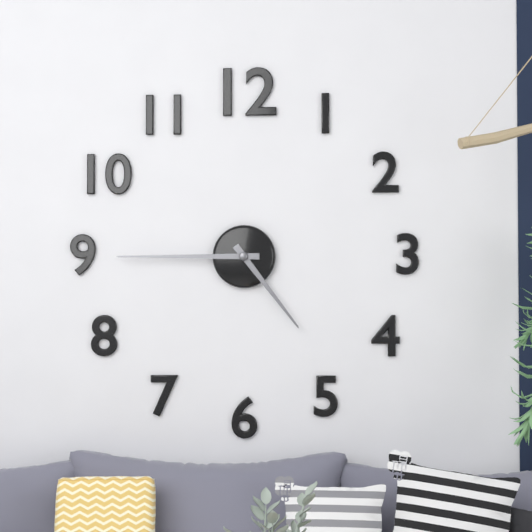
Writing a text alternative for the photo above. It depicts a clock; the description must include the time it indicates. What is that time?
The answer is 4:45
